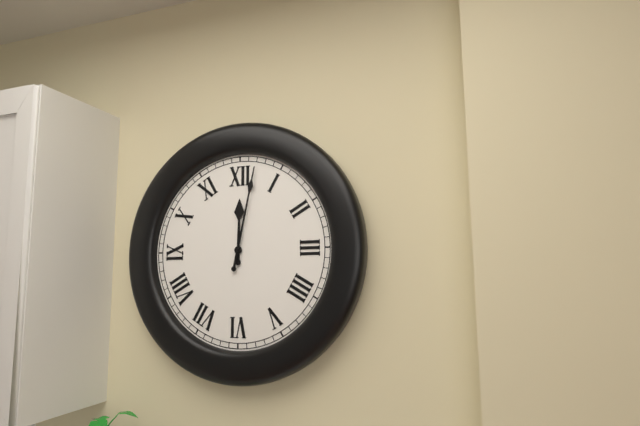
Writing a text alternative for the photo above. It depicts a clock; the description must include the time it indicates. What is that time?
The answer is 12:02
